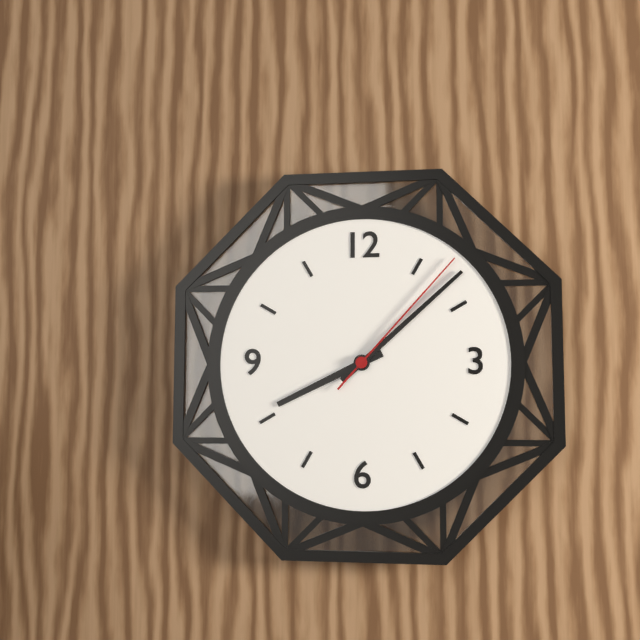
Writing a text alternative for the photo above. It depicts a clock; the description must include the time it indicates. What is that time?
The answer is 8:08:07
